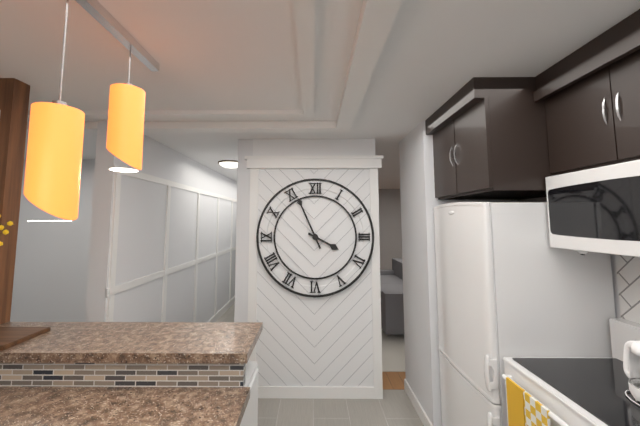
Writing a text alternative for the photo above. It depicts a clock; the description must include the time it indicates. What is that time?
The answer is 3:56
